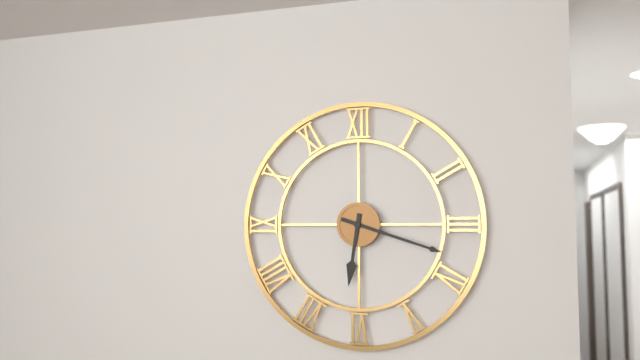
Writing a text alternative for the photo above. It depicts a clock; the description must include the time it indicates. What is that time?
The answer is 6:18
